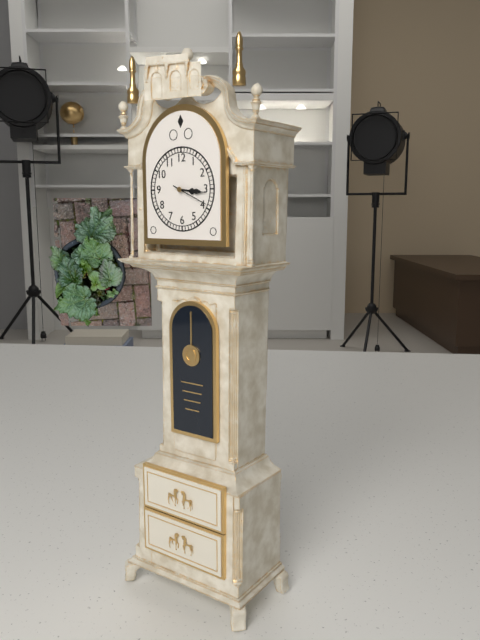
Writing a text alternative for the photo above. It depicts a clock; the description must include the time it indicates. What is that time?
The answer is 3:16
